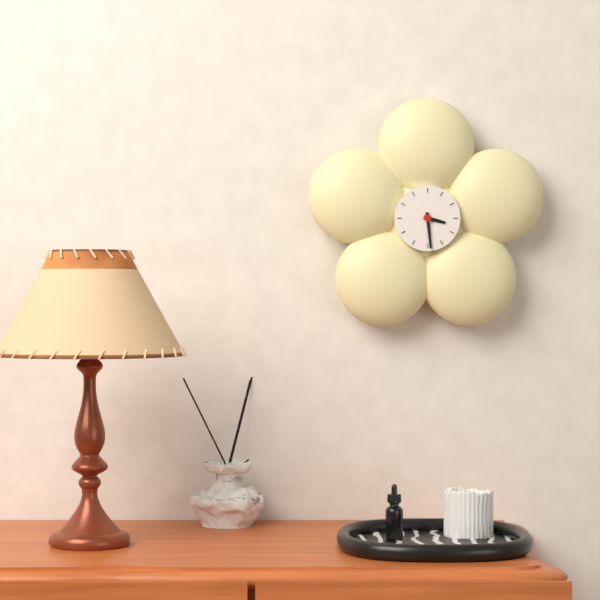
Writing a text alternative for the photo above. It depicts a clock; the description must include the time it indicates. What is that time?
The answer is 3:29
